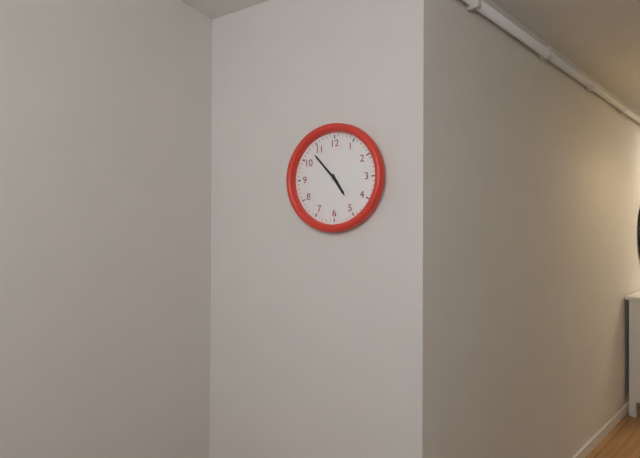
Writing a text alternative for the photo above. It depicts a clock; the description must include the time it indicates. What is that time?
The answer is 4:53
